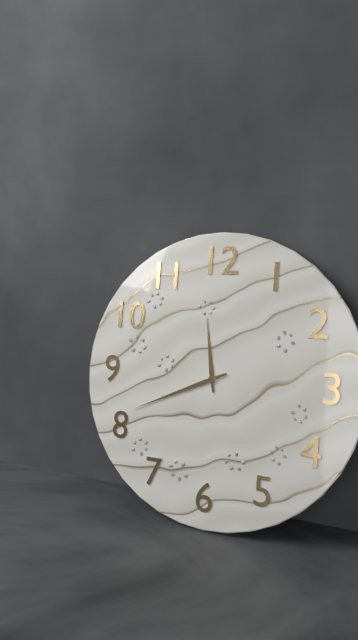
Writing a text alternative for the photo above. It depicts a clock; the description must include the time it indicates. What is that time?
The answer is 11:41
